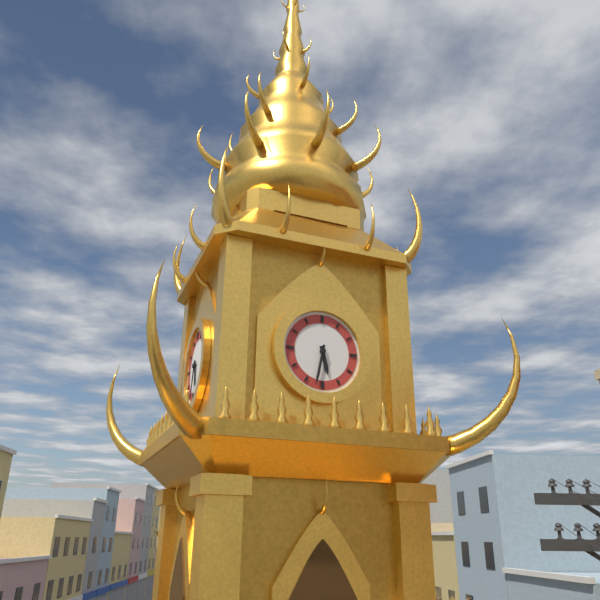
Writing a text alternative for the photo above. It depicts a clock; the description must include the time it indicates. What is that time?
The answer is 5:32
